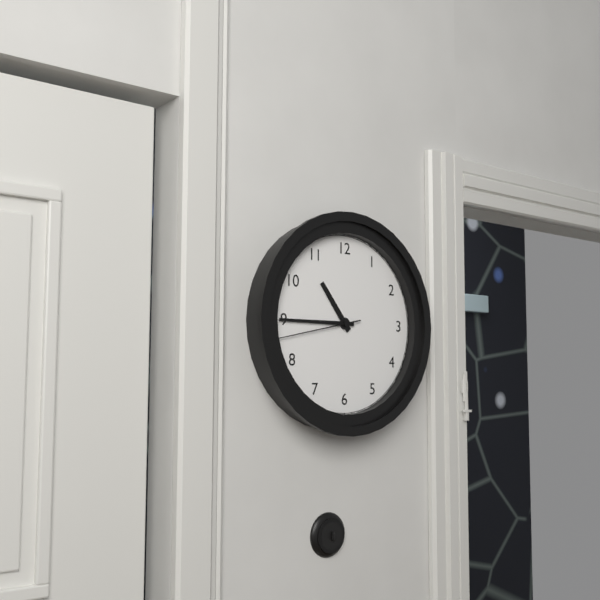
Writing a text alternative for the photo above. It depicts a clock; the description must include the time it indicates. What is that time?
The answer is 10:45:43
